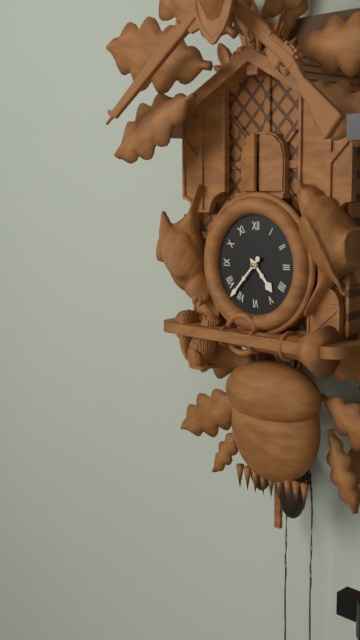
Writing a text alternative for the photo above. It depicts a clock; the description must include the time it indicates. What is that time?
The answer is 4:37
